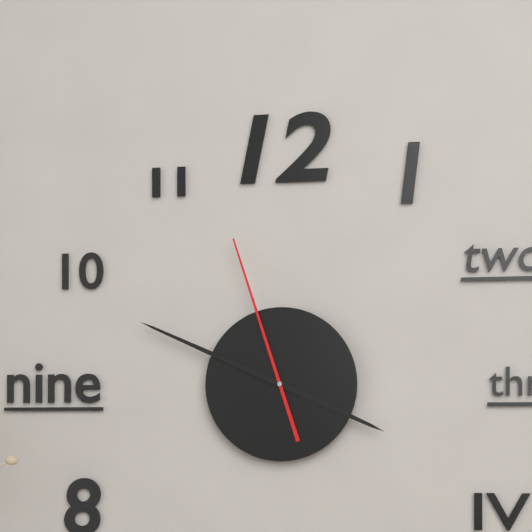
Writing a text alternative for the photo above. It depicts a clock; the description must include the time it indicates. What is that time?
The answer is 3:49:57
